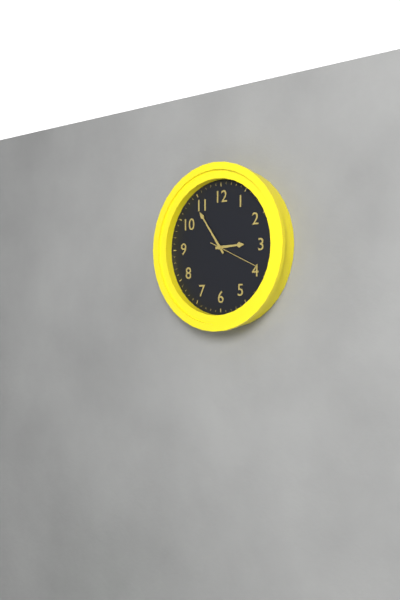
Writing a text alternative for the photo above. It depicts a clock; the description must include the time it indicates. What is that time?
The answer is 2:54:19
